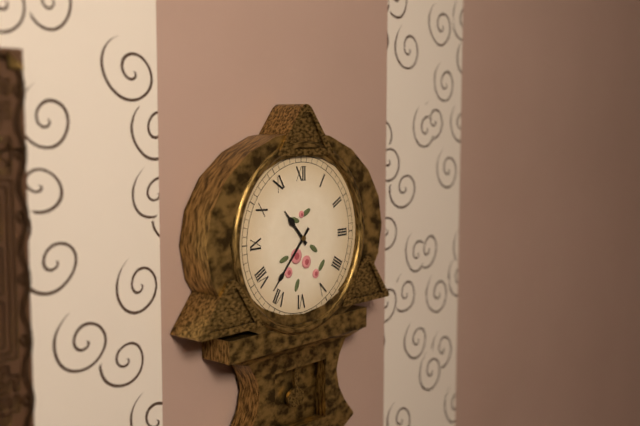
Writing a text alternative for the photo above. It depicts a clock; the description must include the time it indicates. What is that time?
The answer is 10:37
